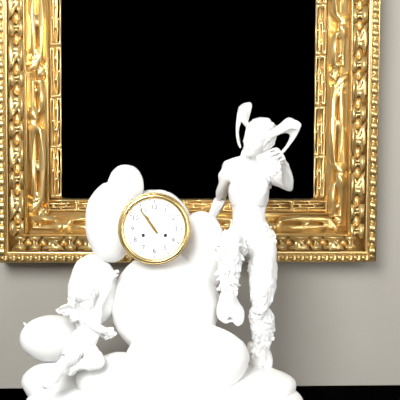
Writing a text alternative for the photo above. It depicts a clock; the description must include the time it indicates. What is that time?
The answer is 10:54
